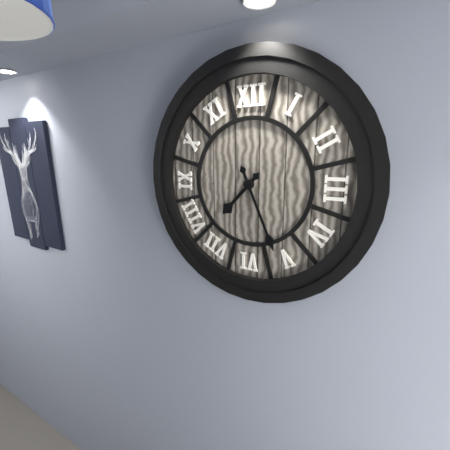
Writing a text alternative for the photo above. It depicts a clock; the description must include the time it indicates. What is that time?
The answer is 7:26
